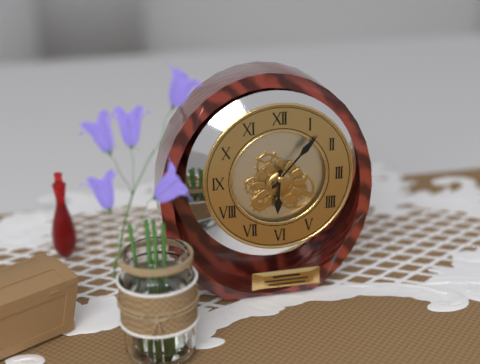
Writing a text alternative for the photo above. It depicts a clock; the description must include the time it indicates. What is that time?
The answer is 6:07
